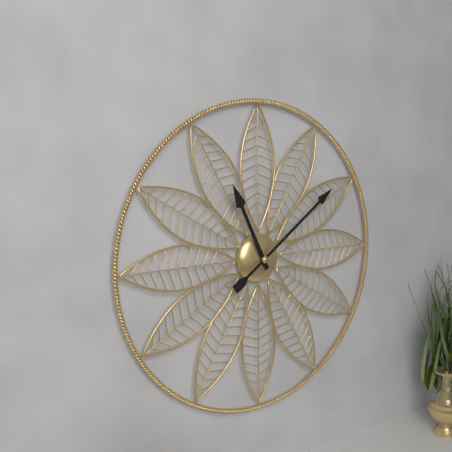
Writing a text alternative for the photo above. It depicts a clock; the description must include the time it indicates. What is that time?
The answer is 11:09
